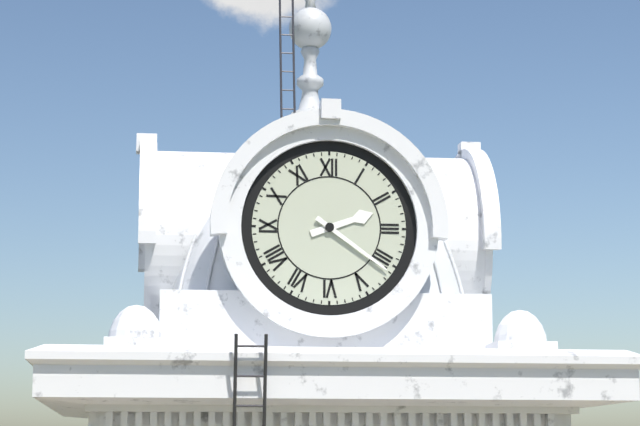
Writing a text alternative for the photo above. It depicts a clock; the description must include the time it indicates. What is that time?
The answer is 2:21
